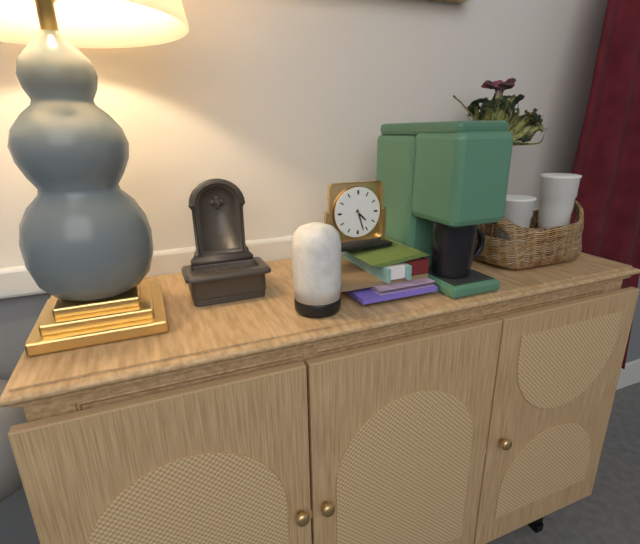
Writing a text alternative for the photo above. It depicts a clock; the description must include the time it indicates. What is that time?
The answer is 4:27
